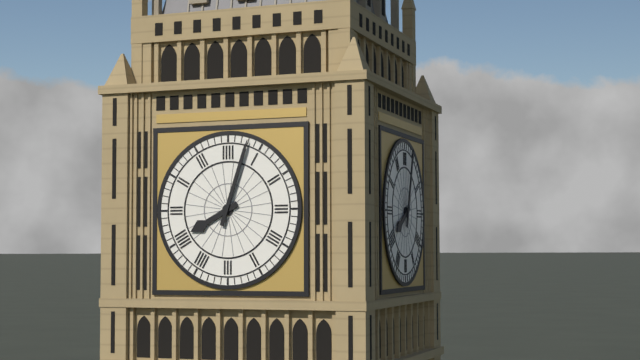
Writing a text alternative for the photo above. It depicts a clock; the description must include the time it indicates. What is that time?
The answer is 8:03
